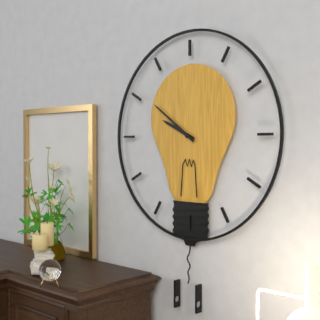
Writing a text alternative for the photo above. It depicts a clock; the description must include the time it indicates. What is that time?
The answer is 9:51
